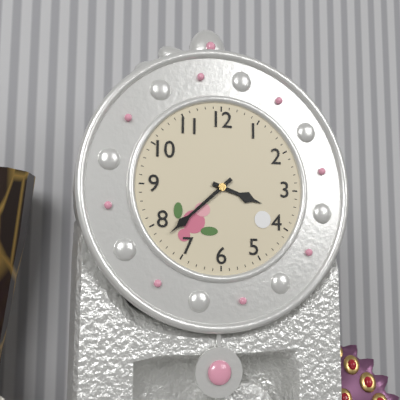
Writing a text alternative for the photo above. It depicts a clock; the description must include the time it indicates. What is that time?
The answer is 3:38
